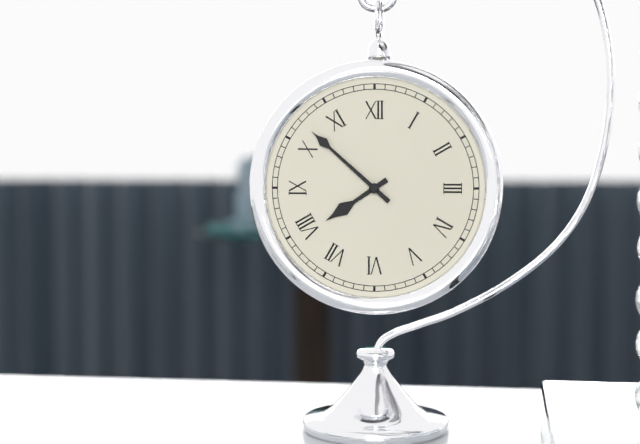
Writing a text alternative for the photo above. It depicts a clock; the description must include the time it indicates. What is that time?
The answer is 7:52
